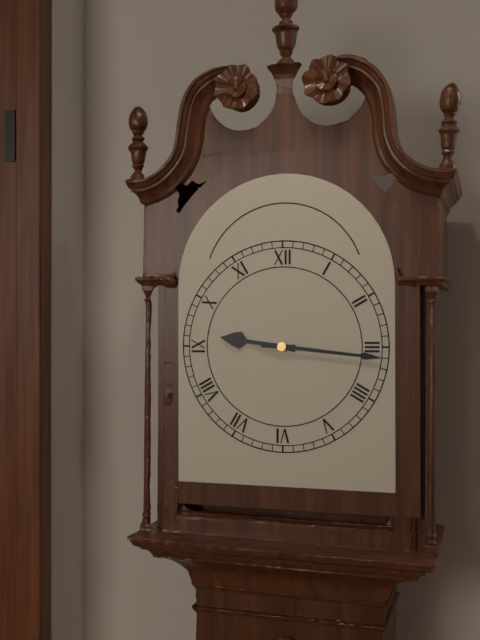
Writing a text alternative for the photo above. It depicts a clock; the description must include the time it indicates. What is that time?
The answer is 9:16
